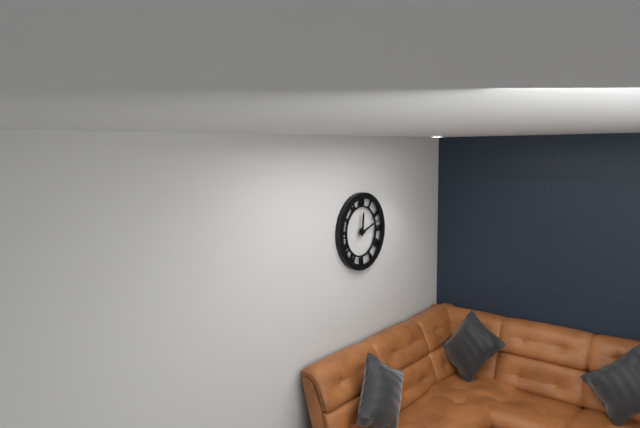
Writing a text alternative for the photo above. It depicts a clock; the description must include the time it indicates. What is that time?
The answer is 12:12
